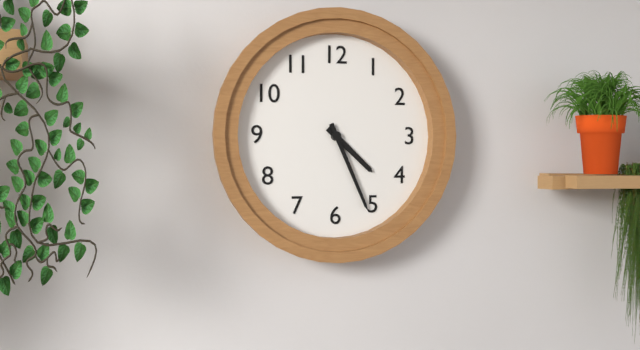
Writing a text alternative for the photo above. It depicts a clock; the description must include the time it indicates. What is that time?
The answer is 4:26
